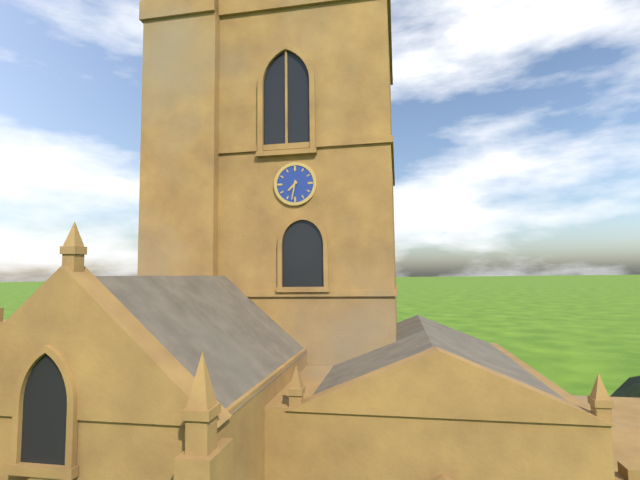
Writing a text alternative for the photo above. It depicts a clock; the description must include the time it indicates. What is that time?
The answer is 7:32
